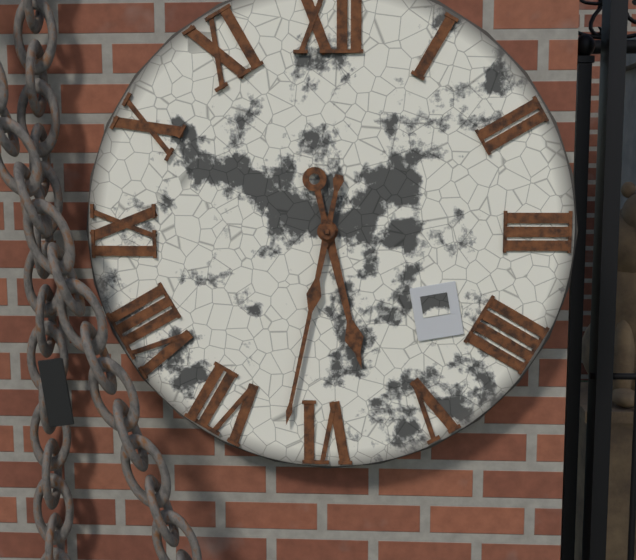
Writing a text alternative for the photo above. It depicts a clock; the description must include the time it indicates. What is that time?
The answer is 5:32
